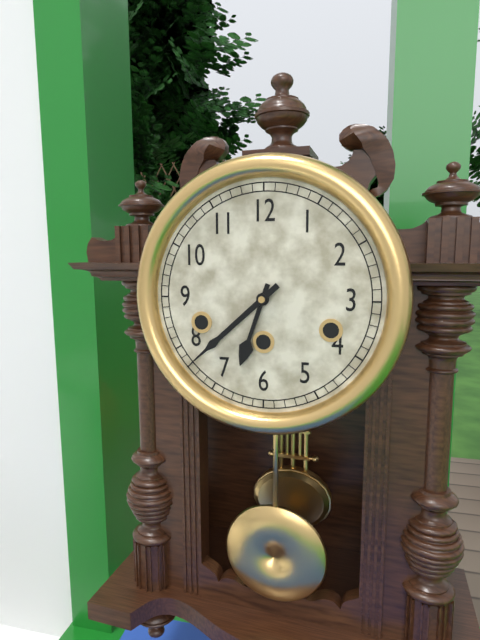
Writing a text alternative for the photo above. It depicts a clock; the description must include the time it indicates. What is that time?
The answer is 6:38
